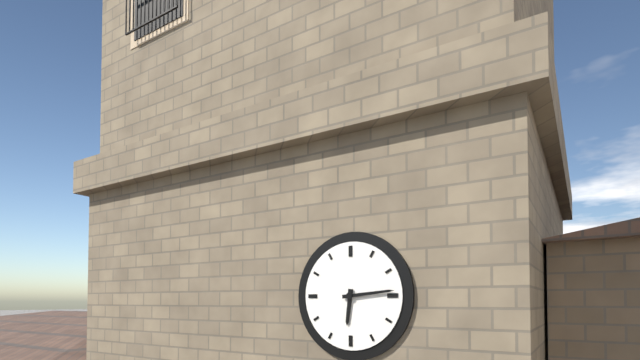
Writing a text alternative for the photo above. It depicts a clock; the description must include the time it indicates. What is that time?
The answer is 6:14
